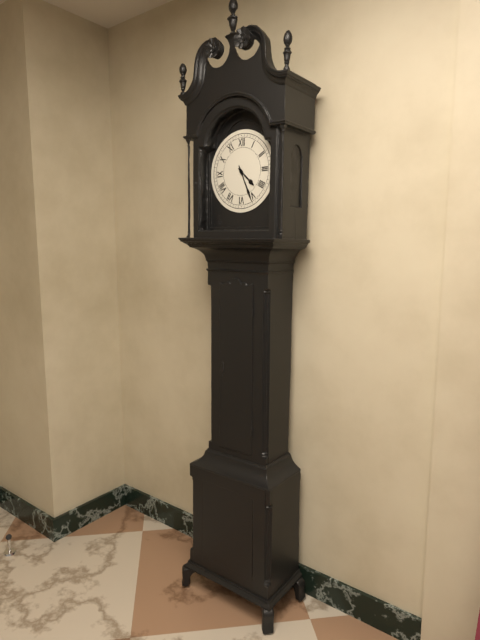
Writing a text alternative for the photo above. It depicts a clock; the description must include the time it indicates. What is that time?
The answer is 4:26
